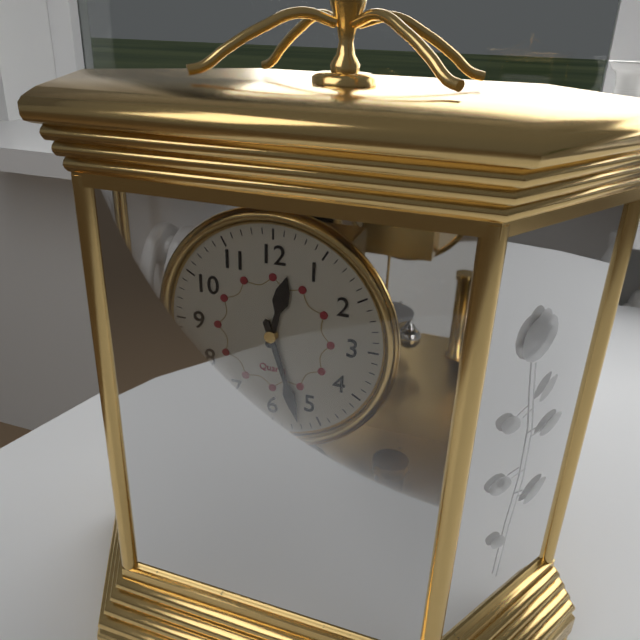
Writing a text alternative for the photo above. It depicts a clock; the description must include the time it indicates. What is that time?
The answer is 12:27
